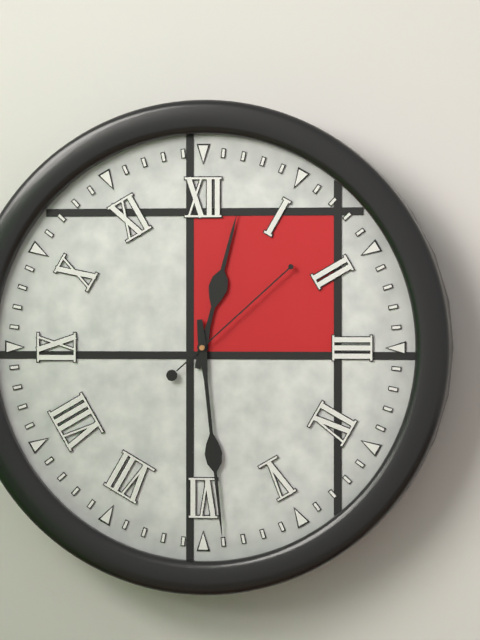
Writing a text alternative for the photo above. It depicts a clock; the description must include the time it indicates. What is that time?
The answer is 12:29:08
